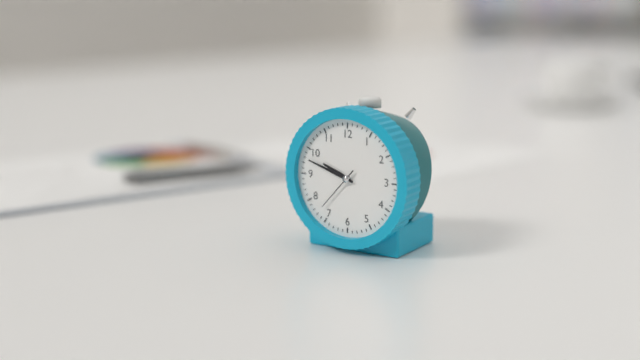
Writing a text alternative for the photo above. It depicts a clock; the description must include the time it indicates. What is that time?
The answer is 9:48
